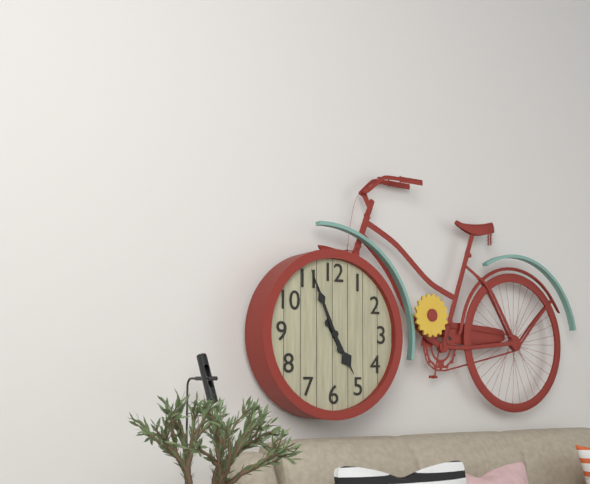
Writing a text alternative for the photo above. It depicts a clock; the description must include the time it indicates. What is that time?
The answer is 4:56
